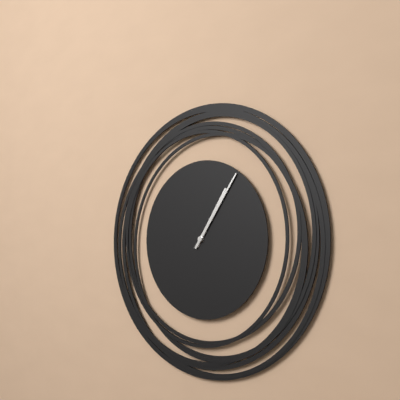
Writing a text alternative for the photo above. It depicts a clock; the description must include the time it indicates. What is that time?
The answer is 1:06
